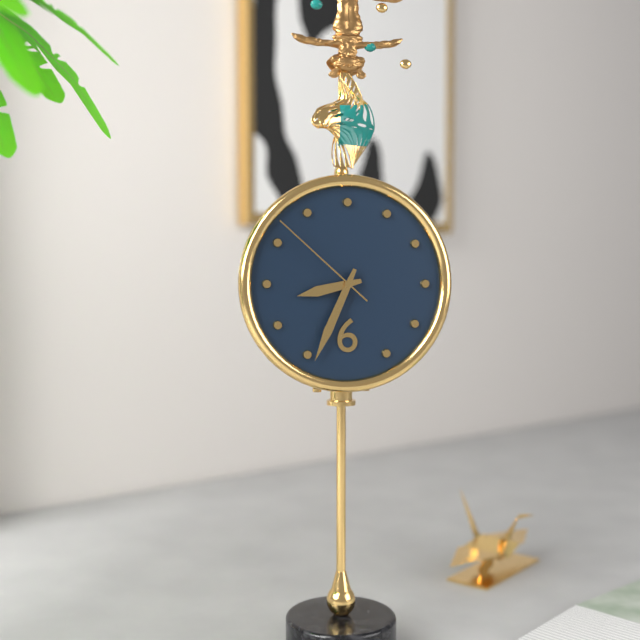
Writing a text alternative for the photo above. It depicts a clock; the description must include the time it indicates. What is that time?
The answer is 8:34:52
